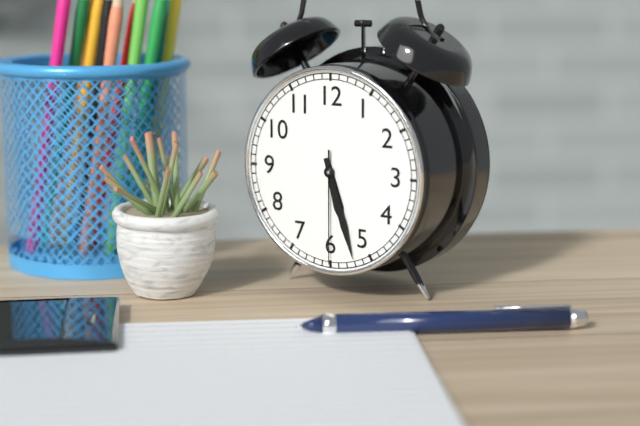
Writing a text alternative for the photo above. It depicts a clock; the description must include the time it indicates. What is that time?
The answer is 5:27:30
